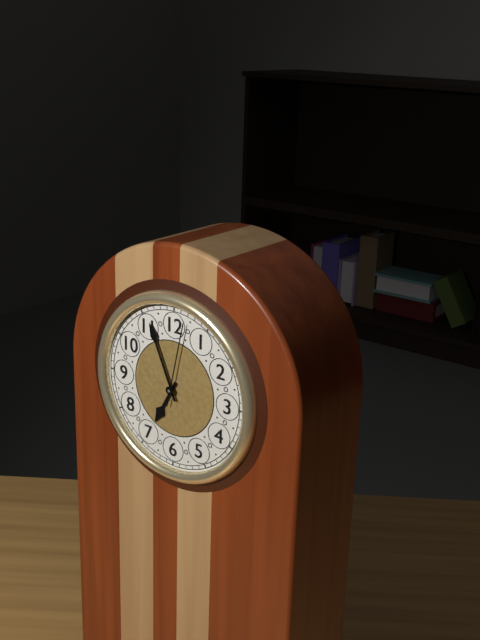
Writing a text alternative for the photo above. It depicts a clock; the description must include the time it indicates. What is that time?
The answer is 6:56:02
